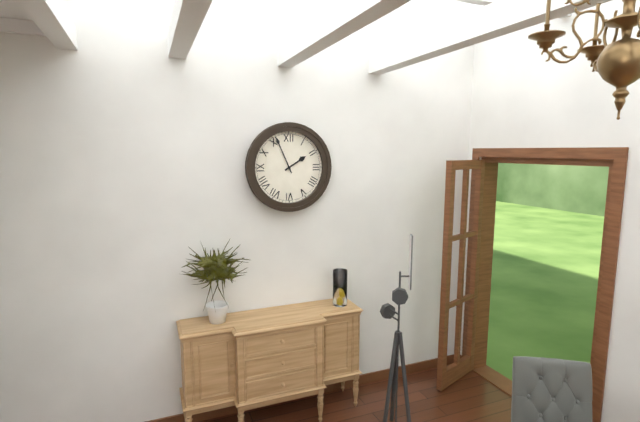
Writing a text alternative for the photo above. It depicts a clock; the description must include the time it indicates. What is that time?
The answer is 1:56
